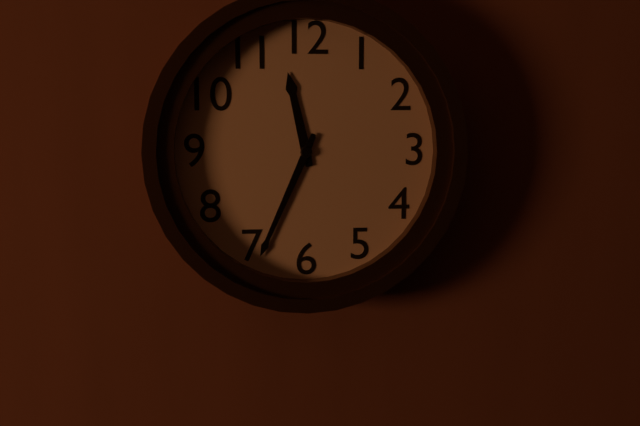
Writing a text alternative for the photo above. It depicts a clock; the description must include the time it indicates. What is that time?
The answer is 11:34
